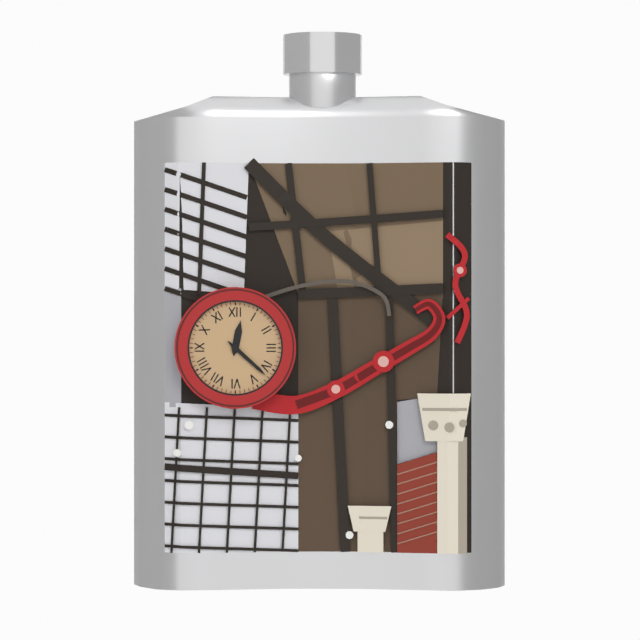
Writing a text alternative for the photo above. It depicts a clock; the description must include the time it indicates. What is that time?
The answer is 12:22
